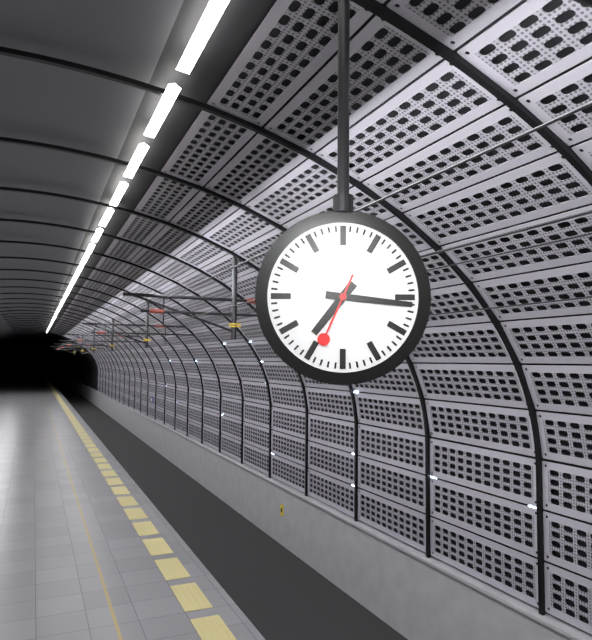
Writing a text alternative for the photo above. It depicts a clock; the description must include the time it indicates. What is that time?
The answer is 7:16:34
